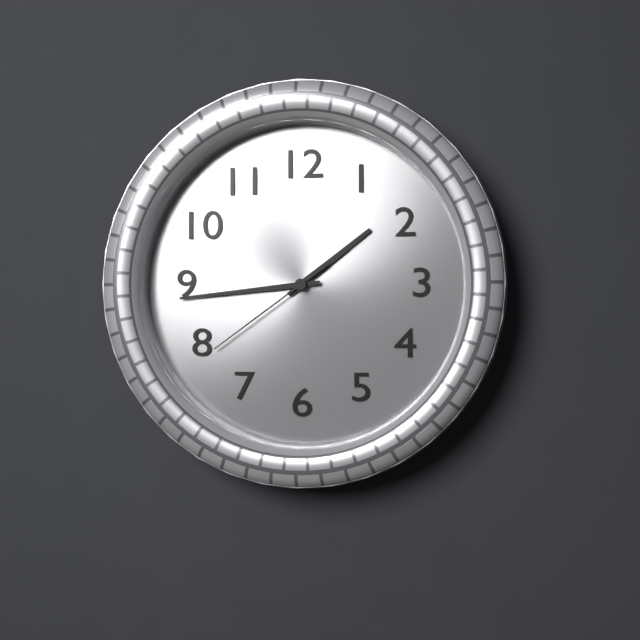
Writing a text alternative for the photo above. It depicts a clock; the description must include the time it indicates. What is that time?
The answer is 1:44:39
